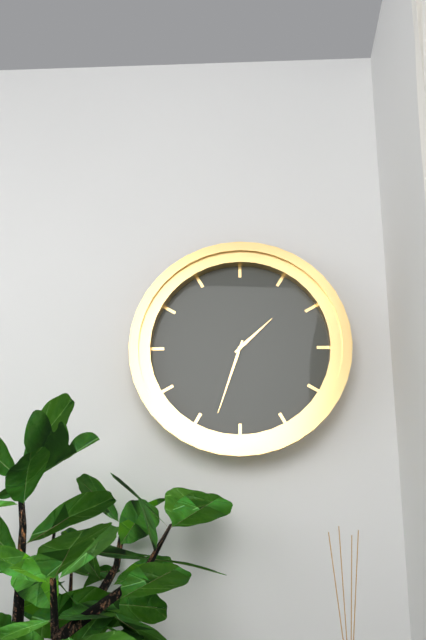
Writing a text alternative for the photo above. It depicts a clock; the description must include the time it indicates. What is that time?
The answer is 1:33
